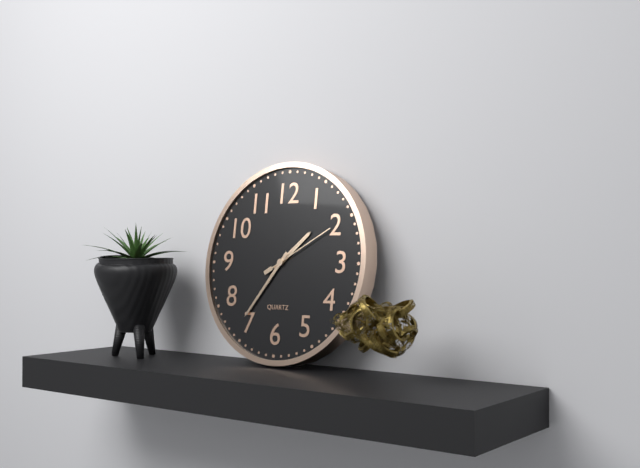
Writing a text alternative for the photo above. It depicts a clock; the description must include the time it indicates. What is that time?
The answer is 1:36:10
